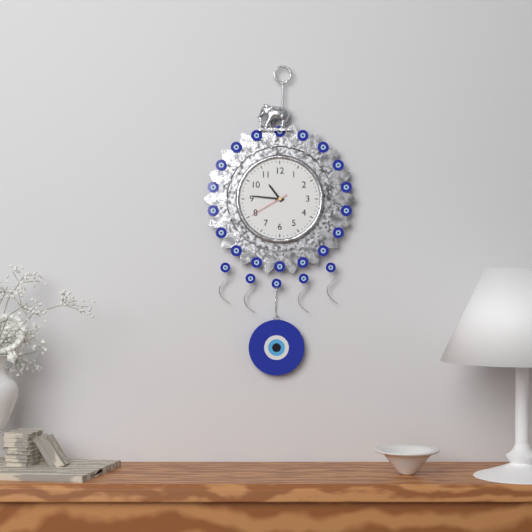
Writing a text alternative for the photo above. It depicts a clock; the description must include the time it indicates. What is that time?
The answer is 10:46
